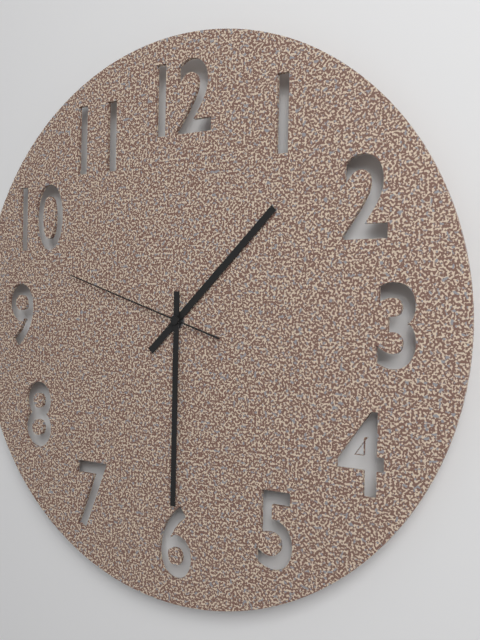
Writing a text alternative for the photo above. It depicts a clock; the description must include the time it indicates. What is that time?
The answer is 1:30:48
